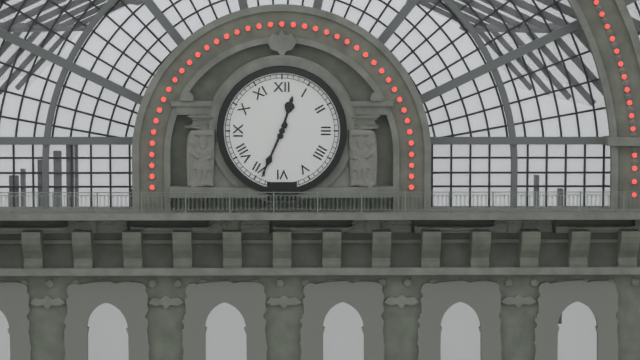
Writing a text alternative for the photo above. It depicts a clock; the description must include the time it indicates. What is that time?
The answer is 12:34
